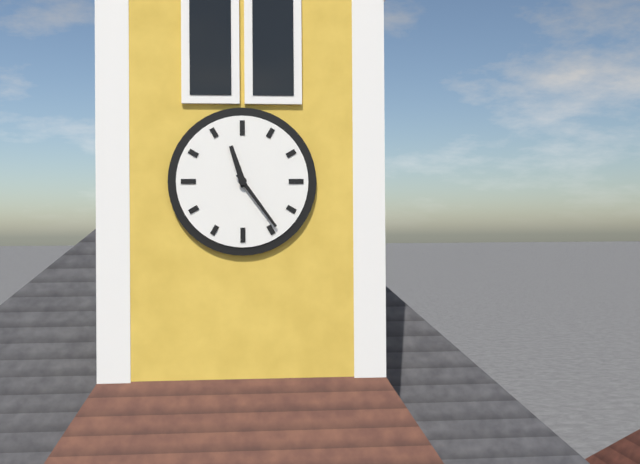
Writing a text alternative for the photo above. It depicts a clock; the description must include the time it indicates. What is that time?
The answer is 11:24
